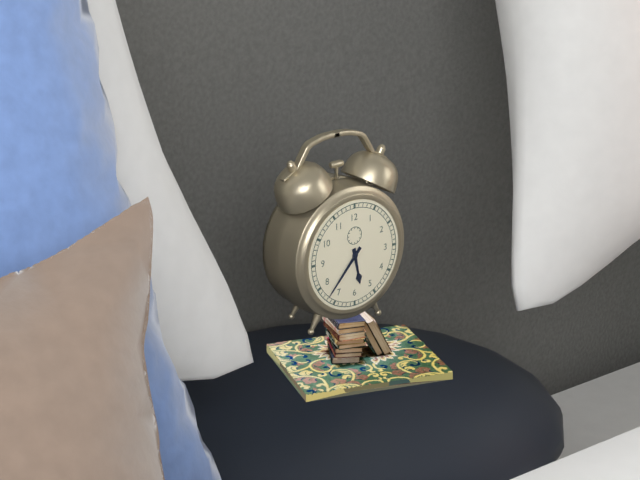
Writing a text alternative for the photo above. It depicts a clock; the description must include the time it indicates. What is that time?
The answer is 5:37
